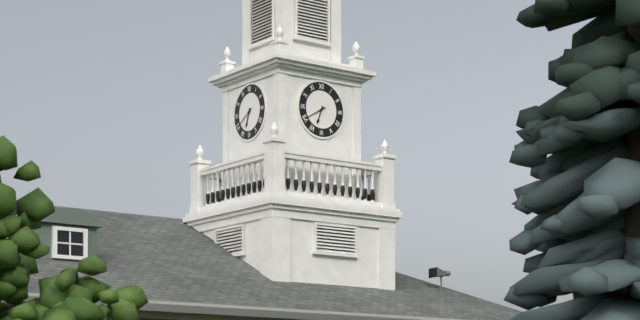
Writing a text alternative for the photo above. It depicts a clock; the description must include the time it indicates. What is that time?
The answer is 6:40
